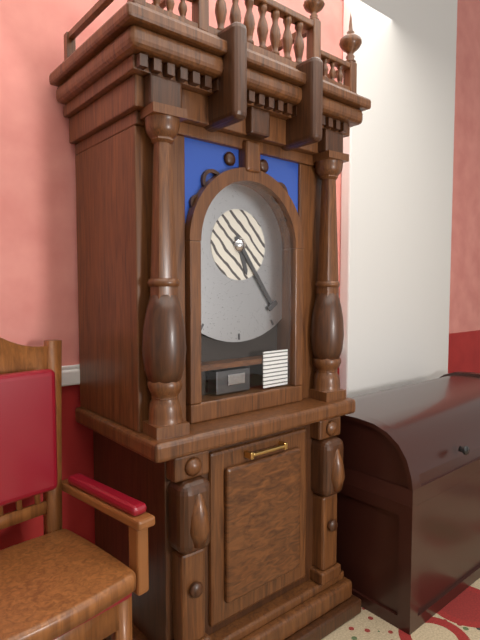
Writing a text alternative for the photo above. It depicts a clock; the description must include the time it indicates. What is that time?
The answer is 5:24
